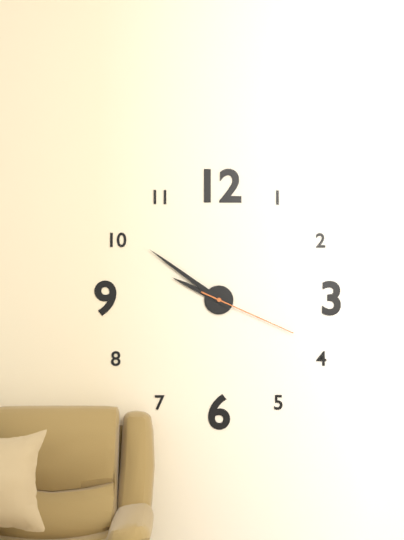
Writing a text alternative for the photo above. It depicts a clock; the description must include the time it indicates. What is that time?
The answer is 9:51:19
